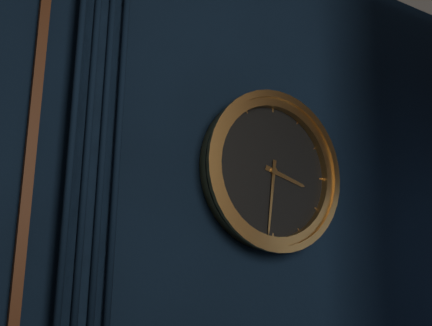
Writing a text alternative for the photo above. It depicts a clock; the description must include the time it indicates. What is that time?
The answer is 3:31
